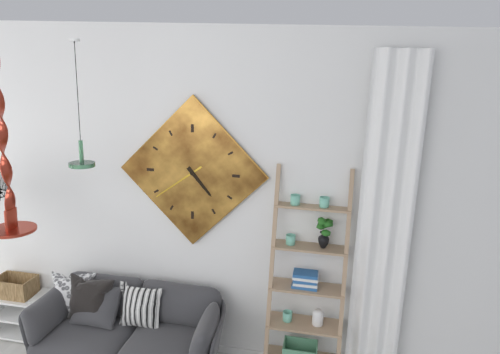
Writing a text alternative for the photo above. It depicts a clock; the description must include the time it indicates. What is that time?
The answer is 4:39
